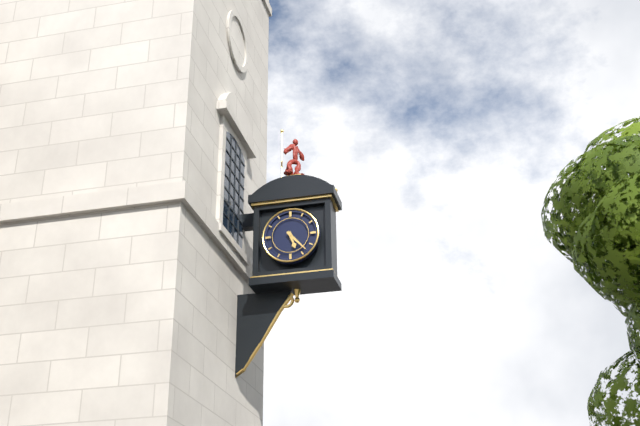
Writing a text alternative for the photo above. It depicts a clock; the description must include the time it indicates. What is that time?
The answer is 5:23
